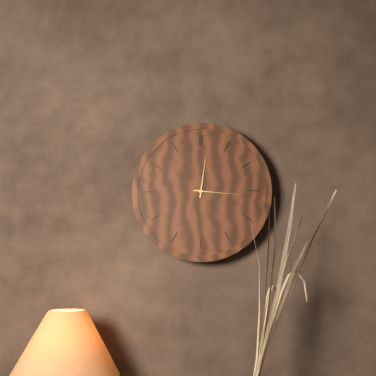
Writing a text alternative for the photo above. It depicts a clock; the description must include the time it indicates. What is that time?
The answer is 12:16
